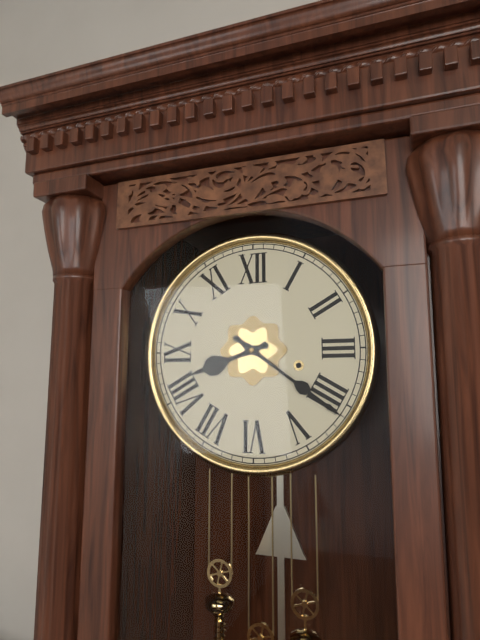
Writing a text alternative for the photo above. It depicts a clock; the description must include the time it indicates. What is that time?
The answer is 8:21
